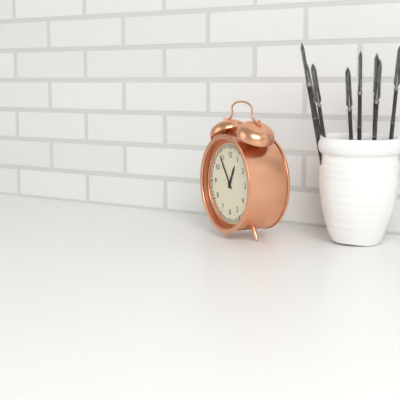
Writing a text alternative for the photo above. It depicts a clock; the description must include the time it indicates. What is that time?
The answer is 12:54
